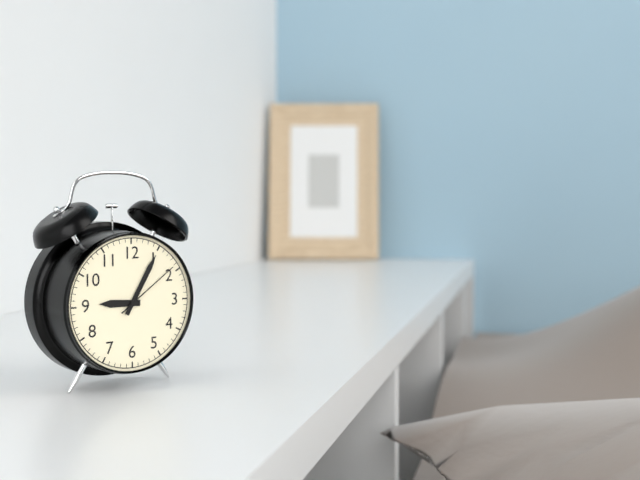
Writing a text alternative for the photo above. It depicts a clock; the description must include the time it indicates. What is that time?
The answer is 9:05:09
